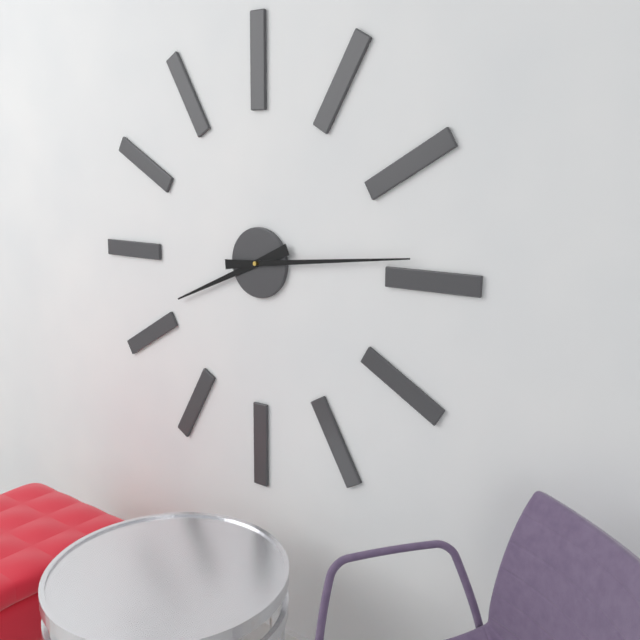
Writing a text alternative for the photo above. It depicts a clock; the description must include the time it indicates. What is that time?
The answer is 8:14
